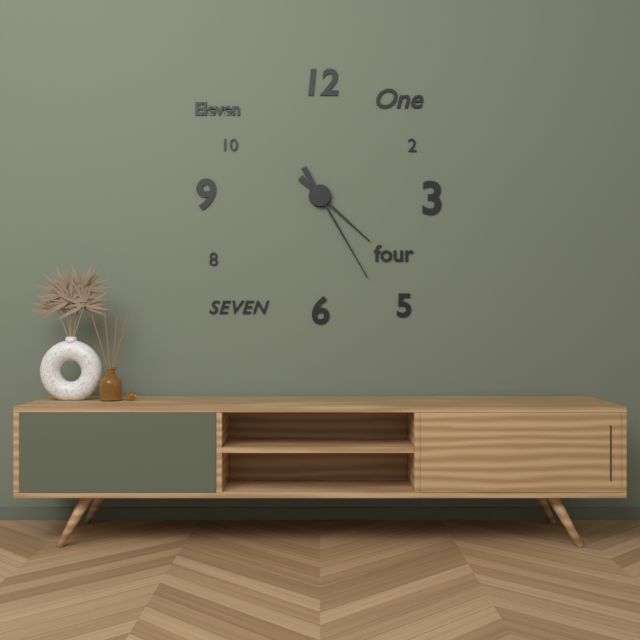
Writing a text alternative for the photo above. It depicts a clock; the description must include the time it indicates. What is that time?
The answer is 4:25
